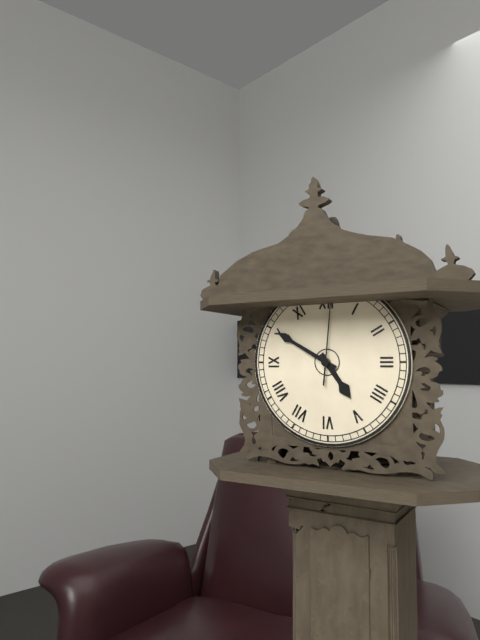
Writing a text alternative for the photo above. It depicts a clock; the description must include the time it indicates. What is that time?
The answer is 4:50:01
